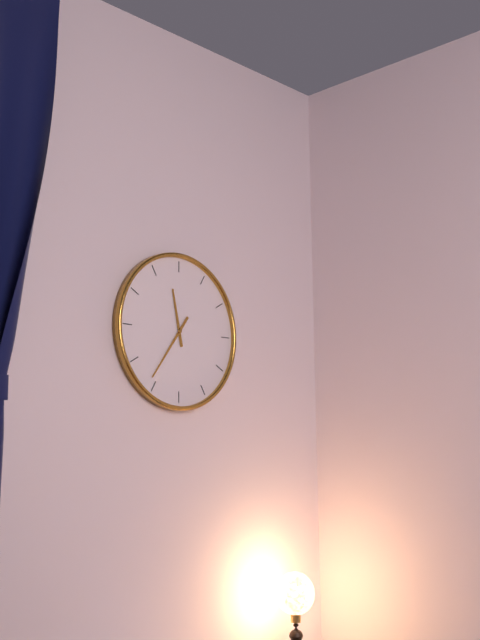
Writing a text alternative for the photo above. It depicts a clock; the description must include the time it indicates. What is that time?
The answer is 11:36
